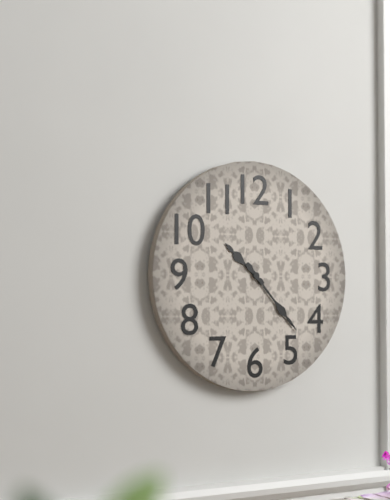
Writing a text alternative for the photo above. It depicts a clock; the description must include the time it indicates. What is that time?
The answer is 10:23
